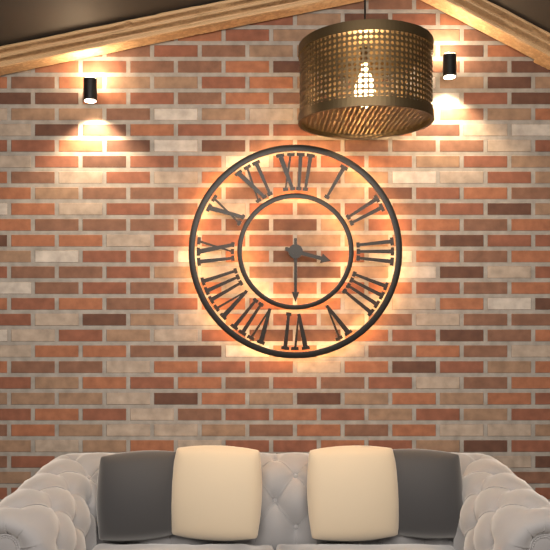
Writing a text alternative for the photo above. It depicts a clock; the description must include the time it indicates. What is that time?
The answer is 3:30
